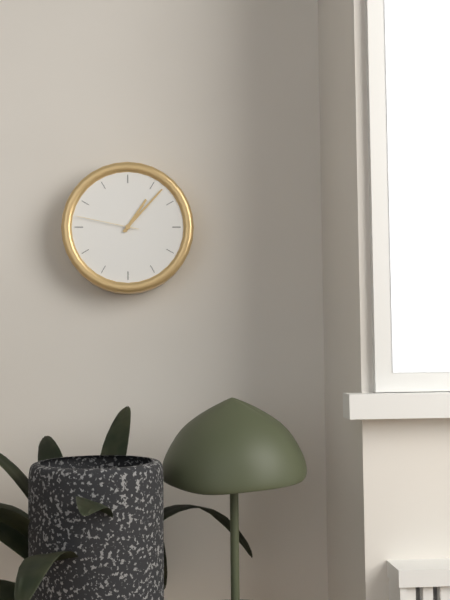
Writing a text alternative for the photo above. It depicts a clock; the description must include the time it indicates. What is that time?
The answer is 1:07:47
